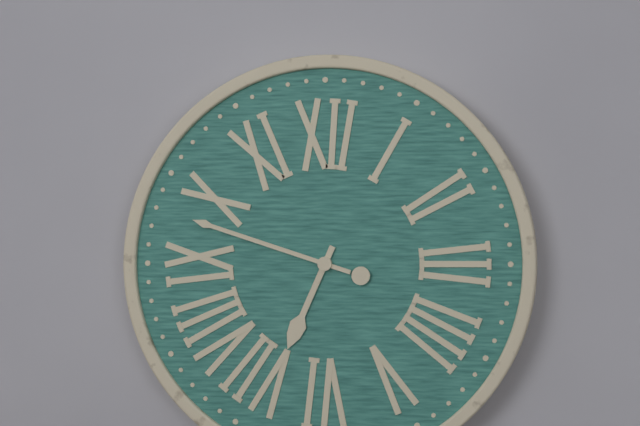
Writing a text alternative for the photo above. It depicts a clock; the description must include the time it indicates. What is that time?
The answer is 6:48
